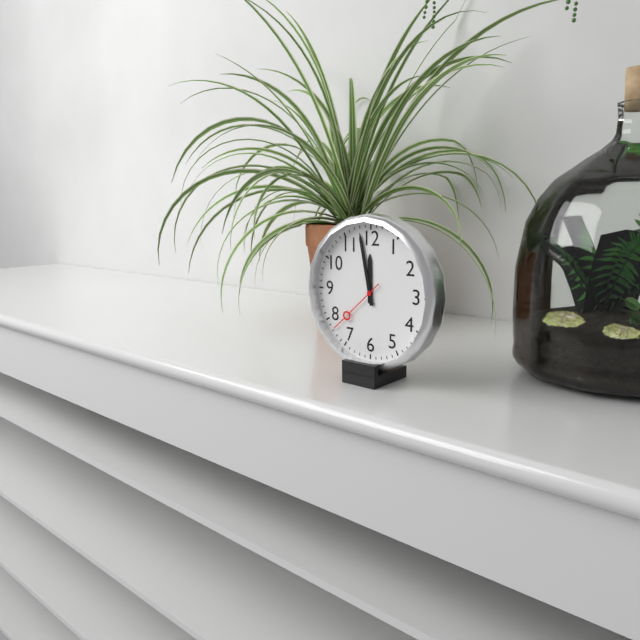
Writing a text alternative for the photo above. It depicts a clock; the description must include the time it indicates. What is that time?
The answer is 11:58:38
